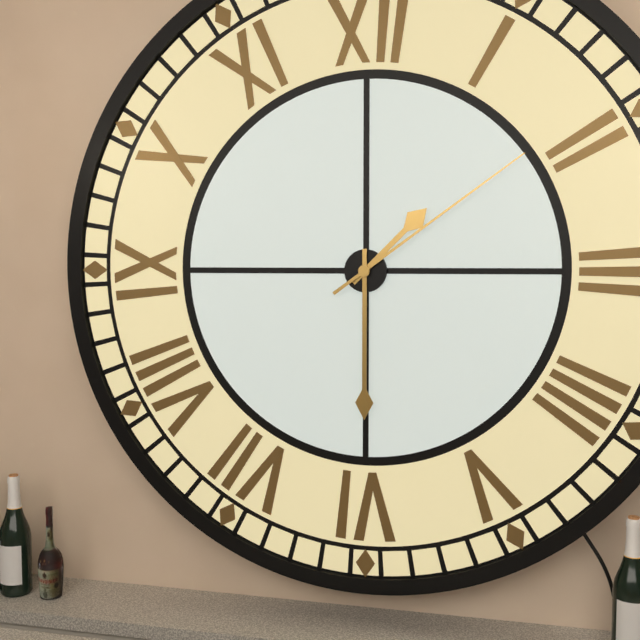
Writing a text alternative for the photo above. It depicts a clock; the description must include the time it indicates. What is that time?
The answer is 1:30:09
